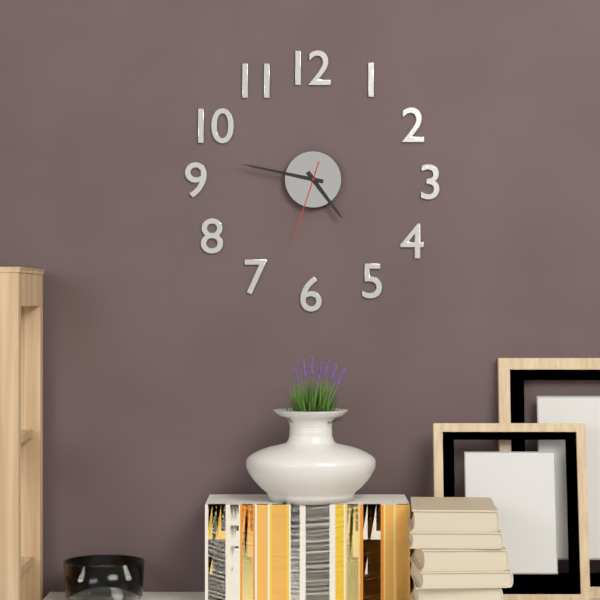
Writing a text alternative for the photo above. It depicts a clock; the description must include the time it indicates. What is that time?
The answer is 4:47:33
